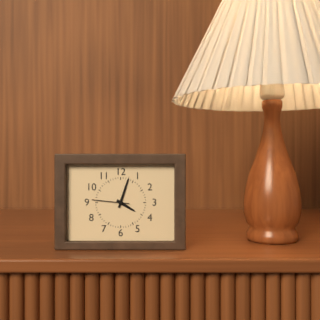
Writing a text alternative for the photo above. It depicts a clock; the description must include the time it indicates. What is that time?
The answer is 4:03
